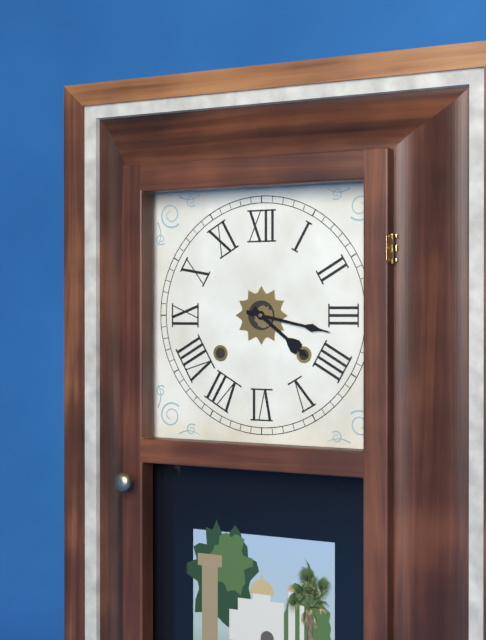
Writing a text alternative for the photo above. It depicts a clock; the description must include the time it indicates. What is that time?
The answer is 4:17
